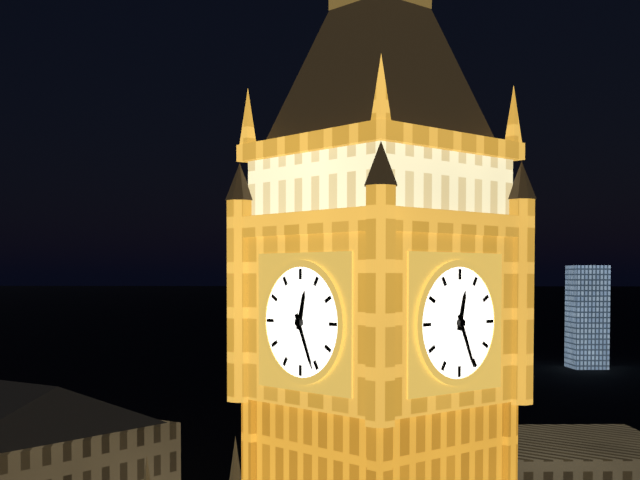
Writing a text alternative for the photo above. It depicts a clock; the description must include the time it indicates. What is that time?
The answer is 12:26
